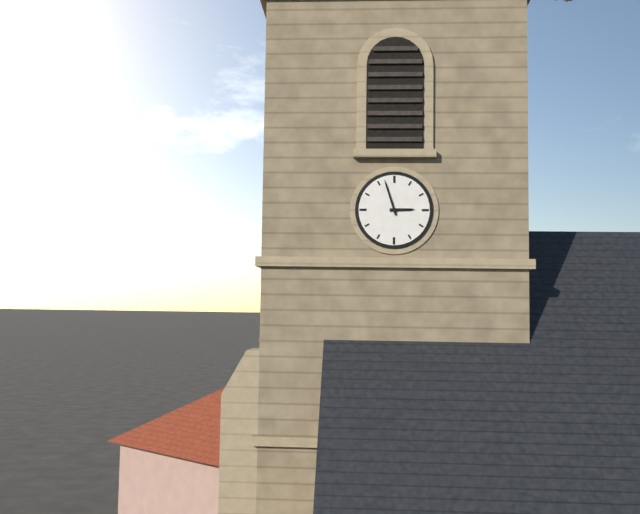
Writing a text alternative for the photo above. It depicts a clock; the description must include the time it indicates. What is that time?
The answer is 2:57
